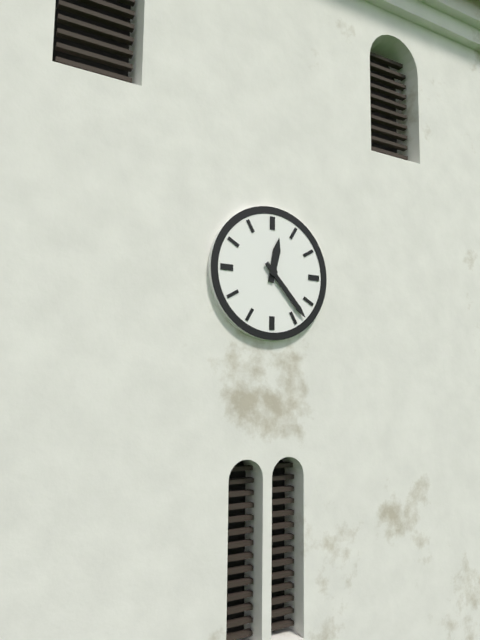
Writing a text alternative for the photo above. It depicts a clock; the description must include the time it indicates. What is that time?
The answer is 12:23
